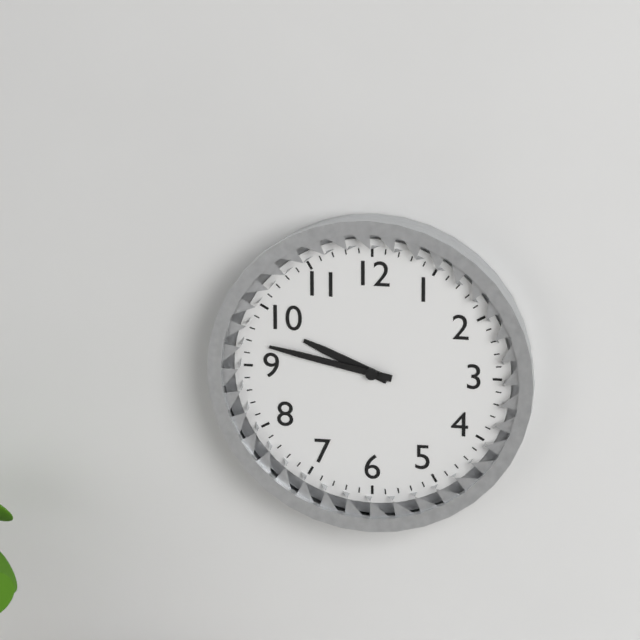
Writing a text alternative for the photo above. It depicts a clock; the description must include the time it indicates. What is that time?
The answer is 9:47
